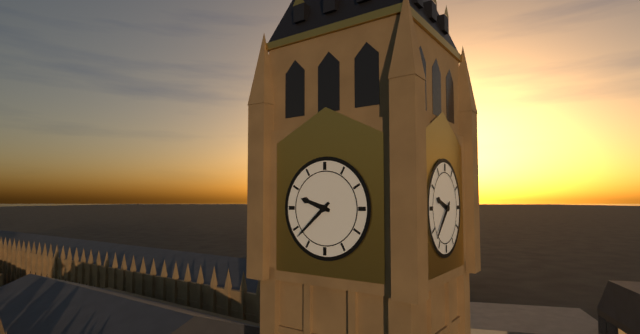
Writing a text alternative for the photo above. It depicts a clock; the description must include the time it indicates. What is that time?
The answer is 9:38
